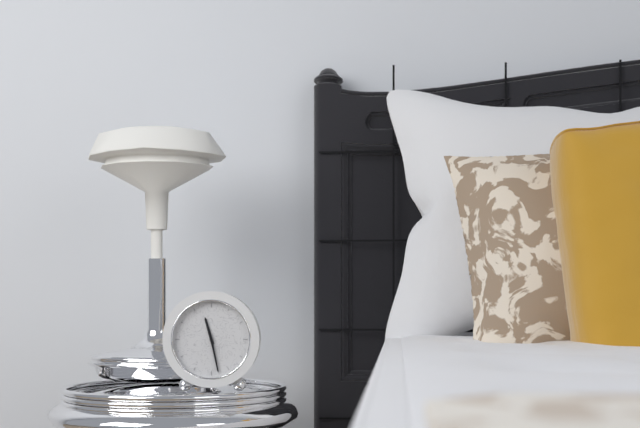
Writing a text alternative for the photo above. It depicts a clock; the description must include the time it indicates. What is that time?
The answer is 11:28
